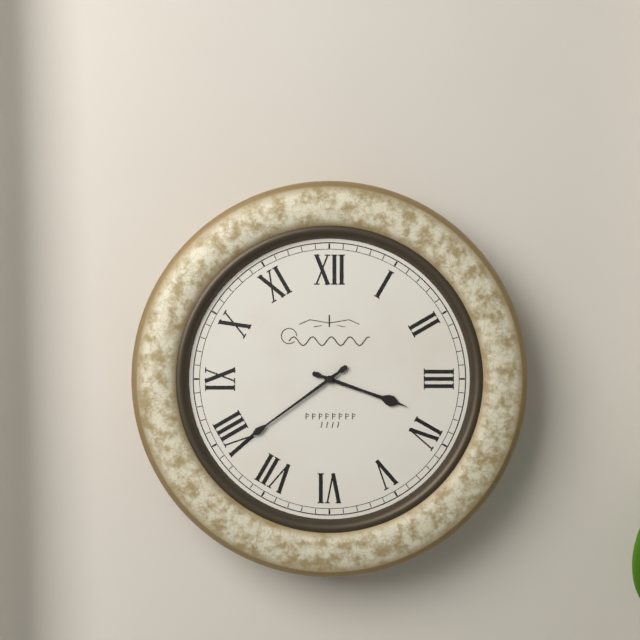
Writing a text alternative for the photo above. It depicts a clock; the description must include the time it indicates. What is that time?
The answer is 3:39
